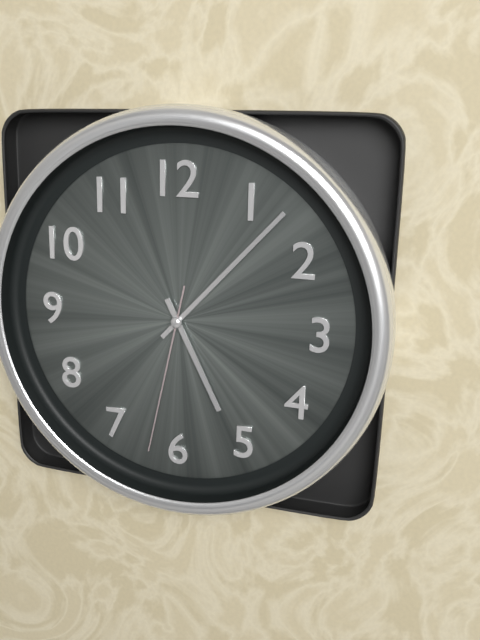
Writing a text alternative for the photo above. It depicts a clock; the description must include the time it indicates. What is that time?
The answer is 5:07:32
